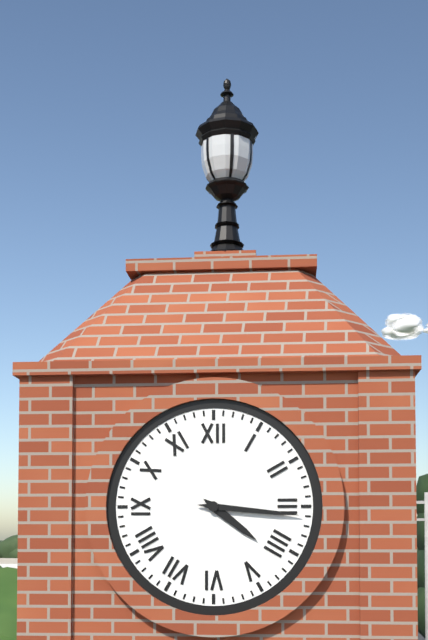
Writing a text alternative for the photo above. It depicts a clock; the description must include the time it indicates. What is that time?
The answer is 4:16
